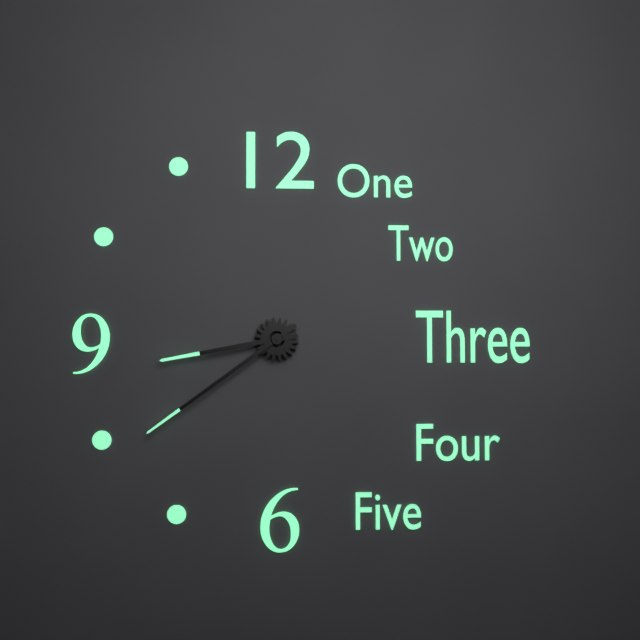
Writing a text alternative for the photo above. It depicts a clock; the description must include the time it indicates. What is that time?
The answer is 8:39
